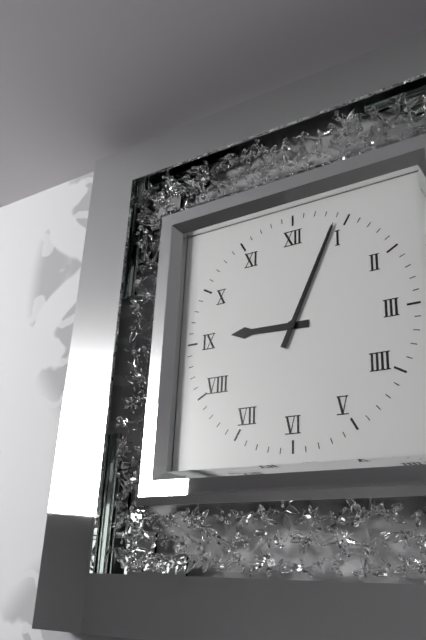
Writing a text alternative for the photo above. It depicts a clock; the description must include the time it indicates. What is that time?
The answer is 9:04
